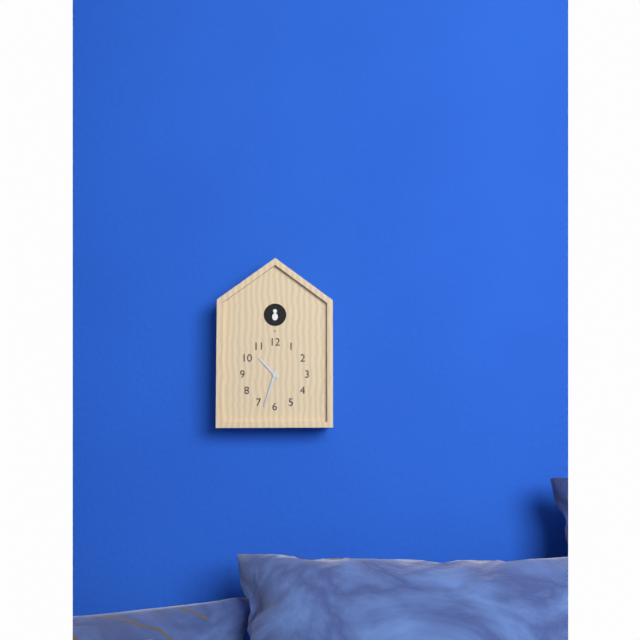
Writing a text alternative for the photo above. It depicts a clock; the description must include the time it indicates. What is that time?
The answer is 10:33
